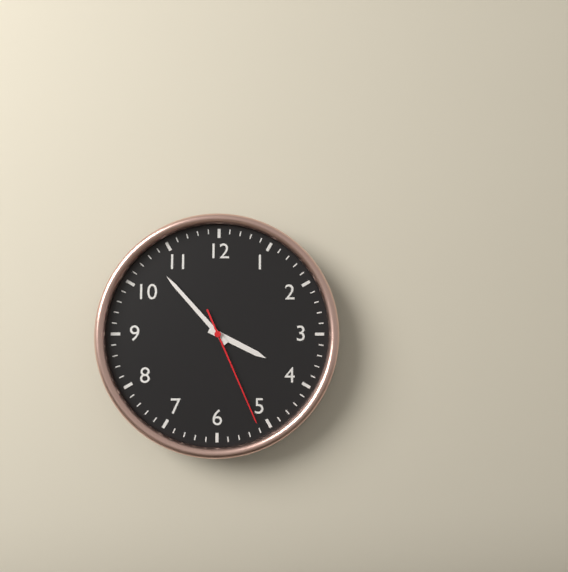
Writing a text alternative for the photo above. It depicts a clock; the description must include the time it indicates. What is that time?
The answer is 3:53:26
